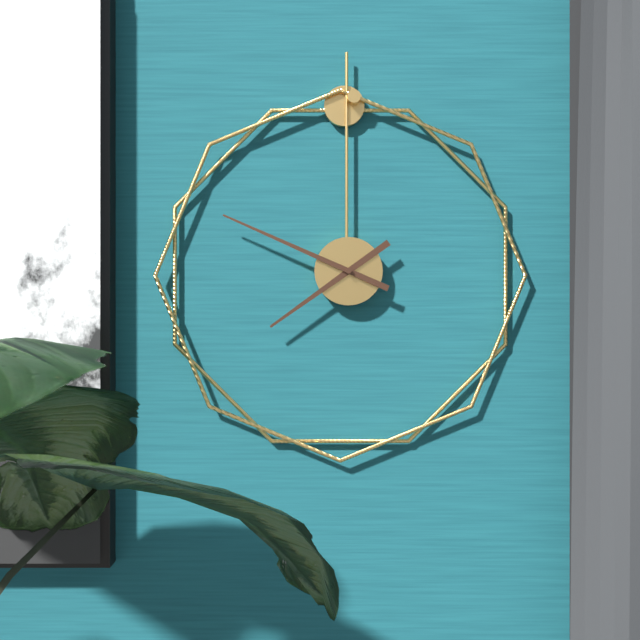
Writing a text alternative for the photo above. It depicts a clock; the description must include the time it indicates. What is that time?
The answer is 7:49
